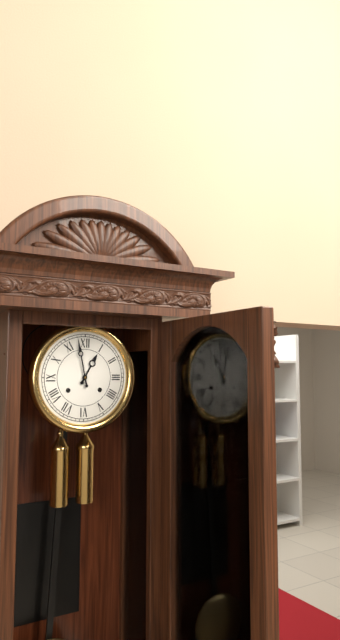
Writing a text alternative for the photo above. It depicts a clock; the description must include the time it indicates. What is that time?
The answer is 12:58
